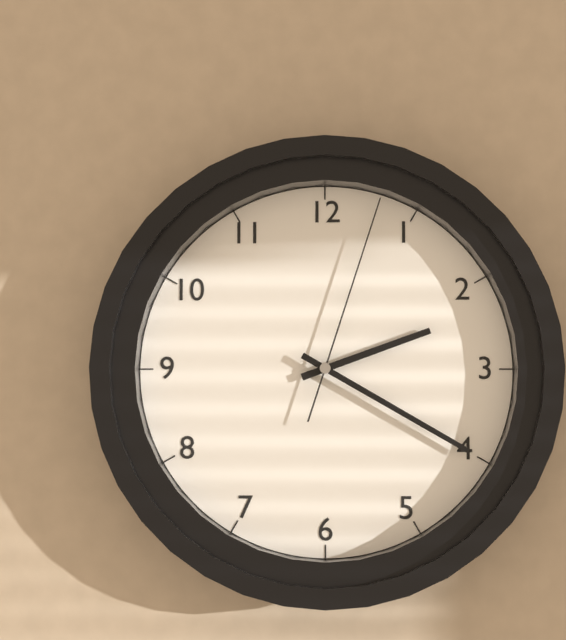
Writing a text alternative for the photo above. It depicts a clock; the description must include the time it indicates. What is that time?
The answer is 2:20:03
